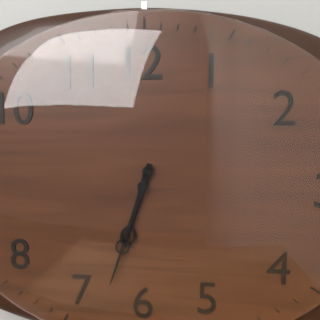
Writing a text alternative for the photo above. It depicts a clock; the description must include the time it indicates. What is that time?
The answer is 6:33
